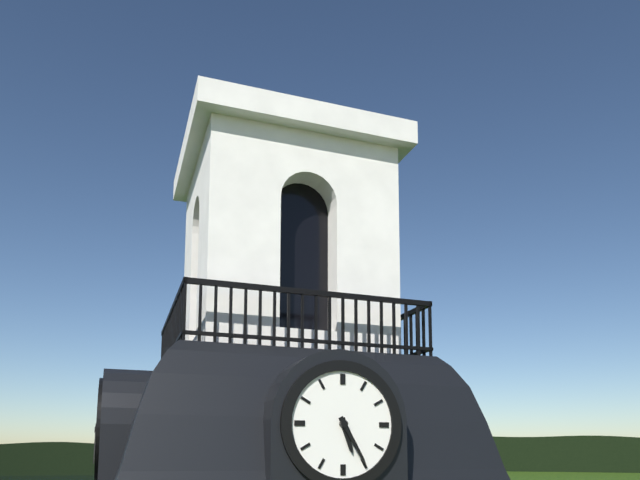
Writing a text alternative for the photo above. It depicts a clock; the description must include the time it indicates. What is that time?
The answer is 5:25
